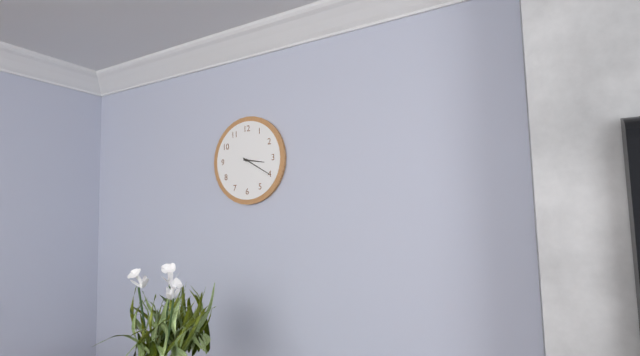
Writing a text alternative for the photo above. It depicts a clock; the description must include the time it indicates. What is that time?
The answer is 3:20
